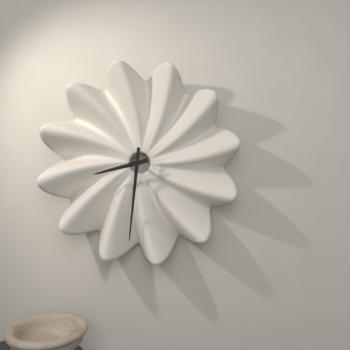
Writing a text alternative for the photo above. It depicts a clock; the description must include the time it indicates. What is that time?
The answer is 8:31
